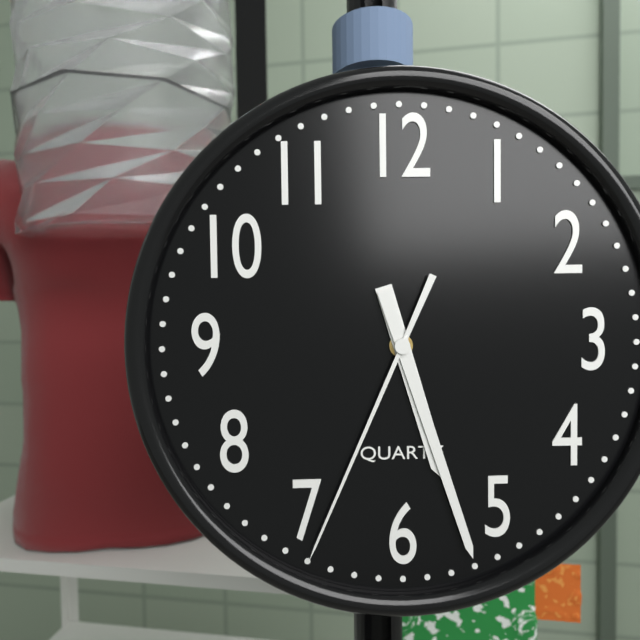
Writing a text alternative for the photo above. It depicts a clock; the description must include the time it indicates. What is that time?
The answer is 5:27:34
